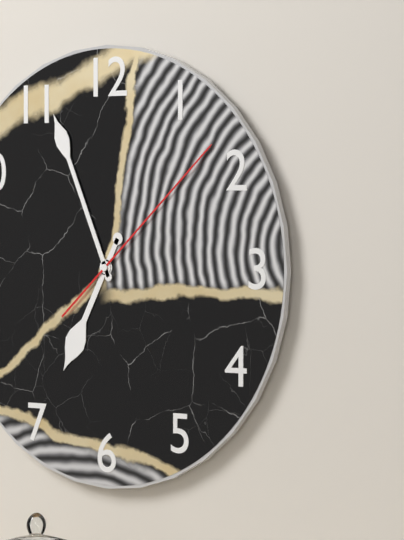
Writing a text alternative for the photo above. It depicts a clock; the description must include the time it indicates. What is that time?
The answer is 6:56:08
